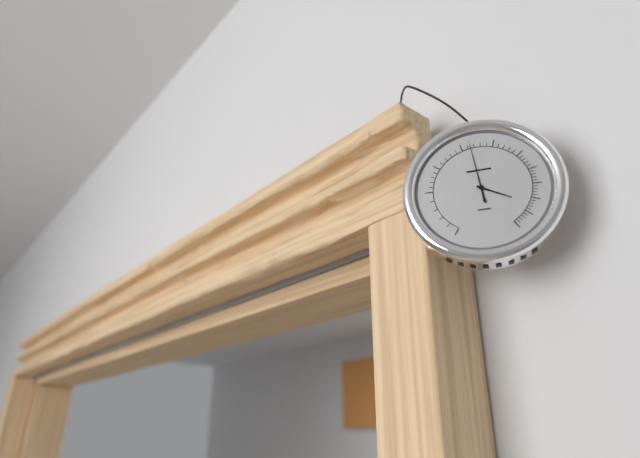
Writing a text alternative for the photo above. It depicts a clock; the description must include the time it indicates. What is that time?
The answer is 3:59
